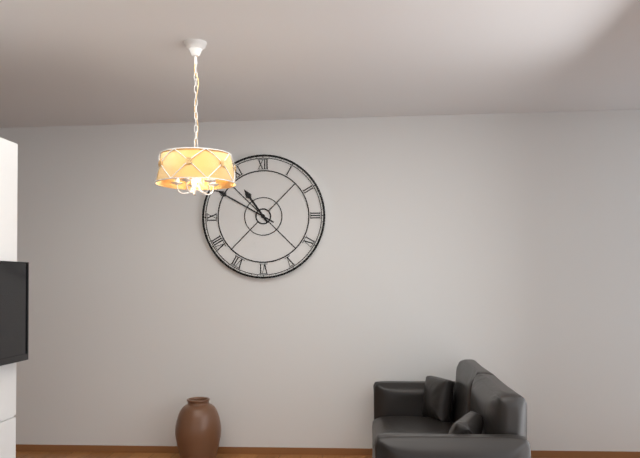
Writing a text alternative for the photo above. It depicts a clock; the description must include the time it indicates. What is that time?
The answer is 10:50
